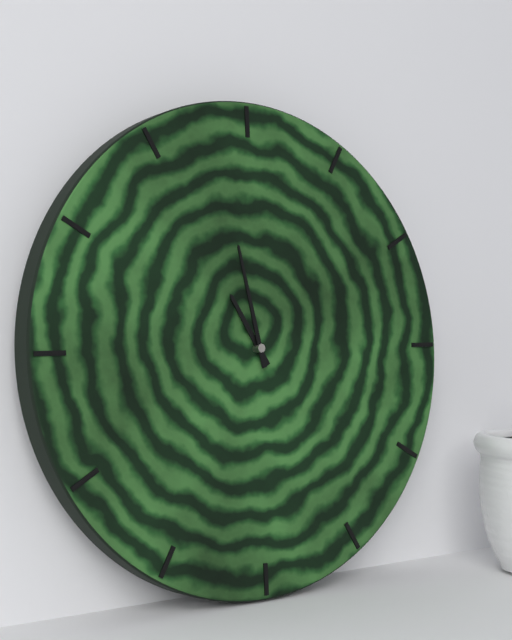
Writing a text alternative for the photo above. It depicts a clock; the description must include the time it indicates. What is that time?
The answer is 10:58
